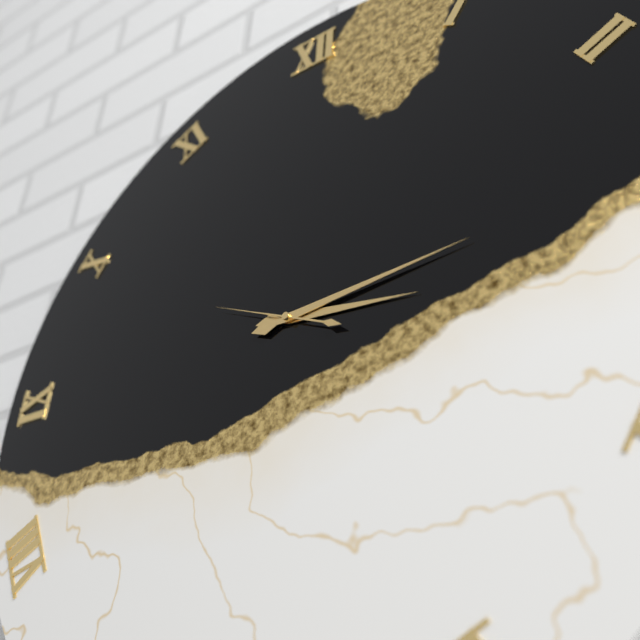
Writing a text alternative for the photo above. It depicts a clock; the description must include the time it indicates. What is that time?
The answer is 3:14:49
